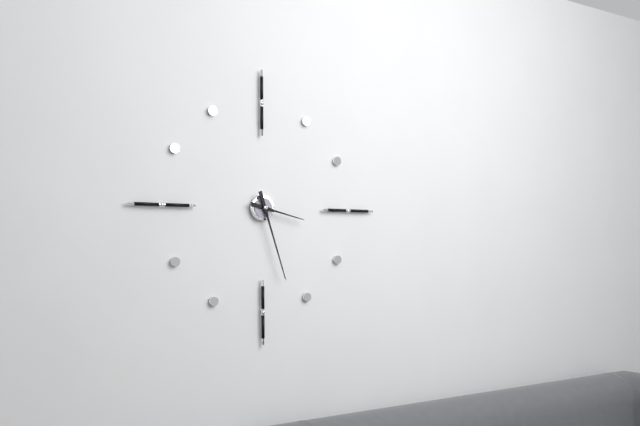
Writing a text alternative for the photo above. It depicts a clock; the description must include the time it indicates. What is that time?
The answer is 3:27
